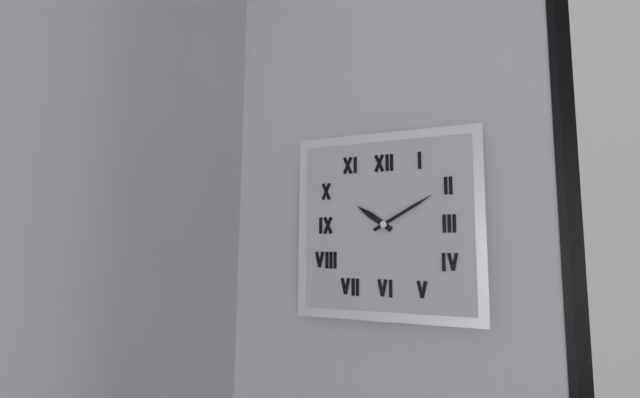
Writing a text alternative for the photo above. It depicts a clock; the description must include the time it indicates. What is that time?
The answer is 10:10
